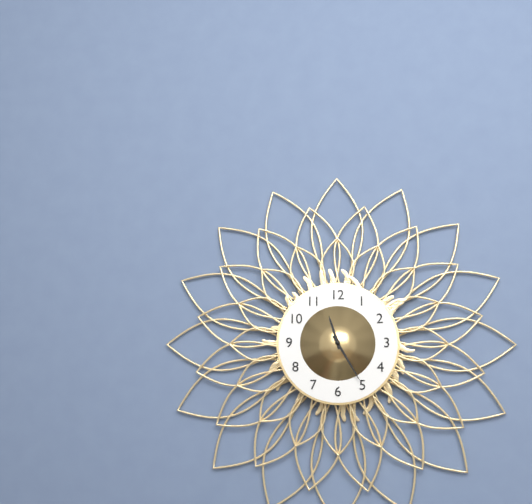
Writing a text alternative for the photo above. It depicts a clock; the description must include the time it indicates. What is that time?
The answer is 11:25
